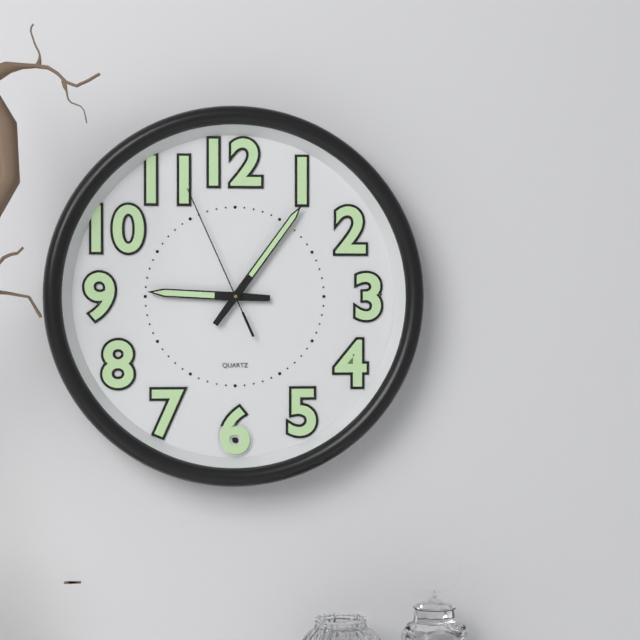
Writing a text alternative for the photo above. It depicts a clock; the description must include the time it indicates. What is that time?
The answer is 9:06:56
